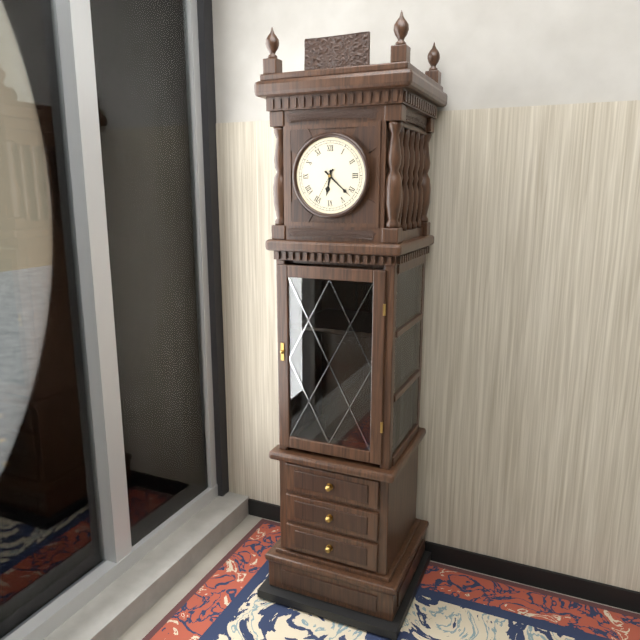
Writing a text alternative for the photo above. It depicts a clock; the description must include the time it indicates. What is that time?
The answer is 6:22
